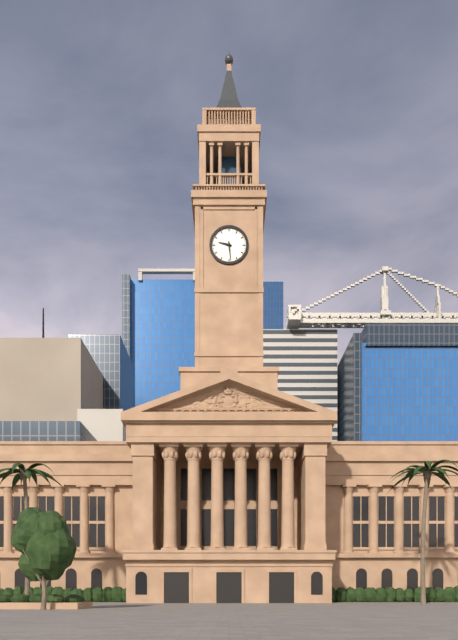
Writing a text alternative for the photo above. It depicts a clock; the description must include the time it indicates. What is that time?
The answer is 9:29
